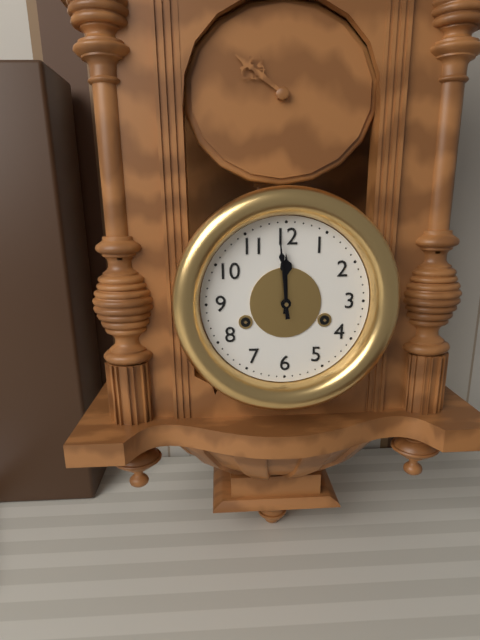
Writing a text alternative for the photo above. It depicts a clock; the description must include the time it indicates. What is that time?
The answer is 11:59
